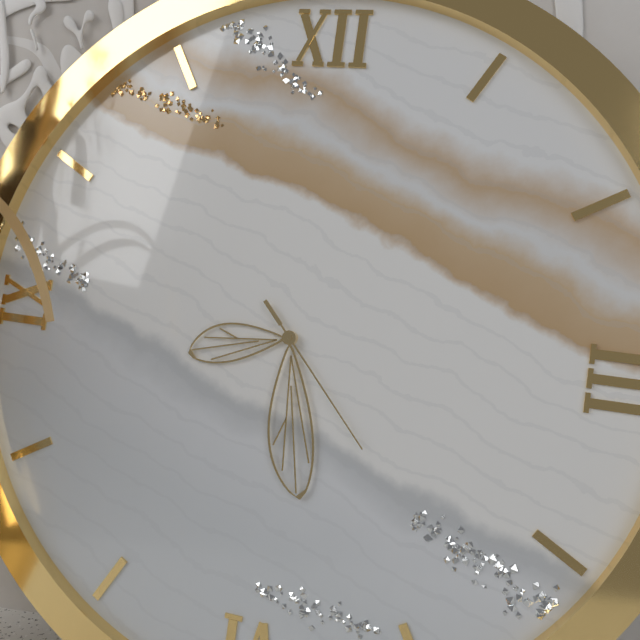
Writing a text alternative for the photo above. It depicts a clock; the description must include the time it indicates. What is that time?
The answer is 8:28:23
